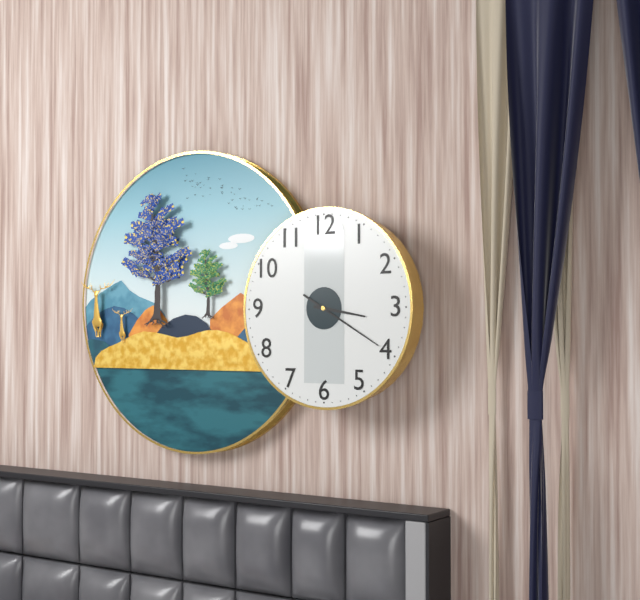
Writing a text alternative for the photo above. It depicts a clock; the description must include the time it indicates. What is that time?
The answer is 3:20
